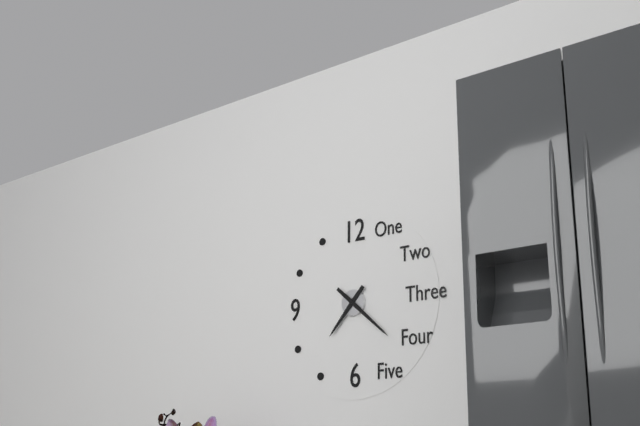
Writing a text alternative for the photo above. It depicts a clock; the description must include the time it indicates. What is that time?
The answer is 7:22
